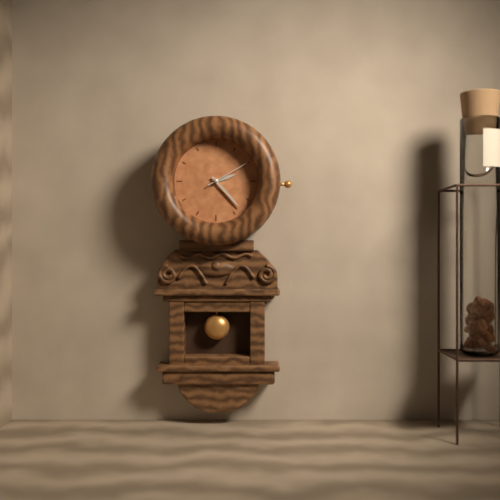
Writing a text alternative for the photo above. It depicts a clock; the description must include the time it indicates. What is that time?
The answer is 2:23
